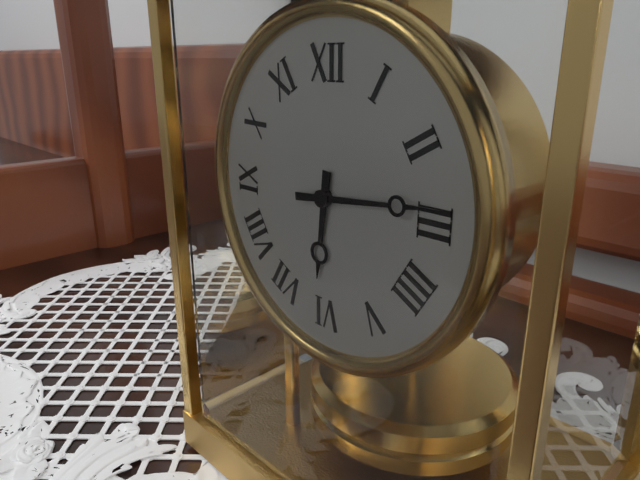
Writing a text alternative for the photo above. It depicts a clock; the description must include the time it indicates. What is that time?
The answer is 6:14
